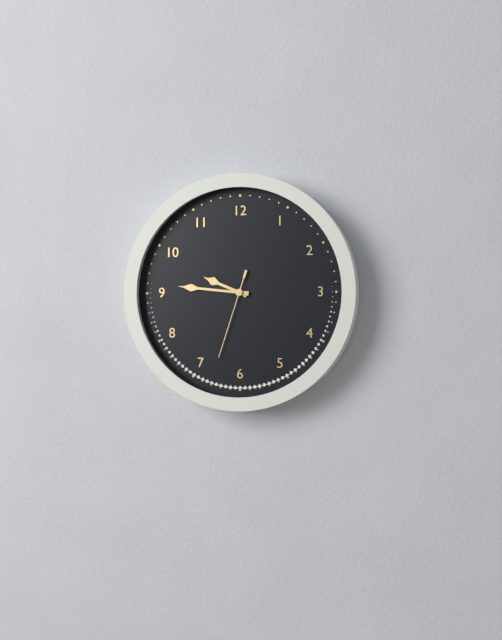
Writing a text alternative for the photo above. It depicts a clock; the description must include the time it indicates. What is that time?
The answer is 9:46:33
